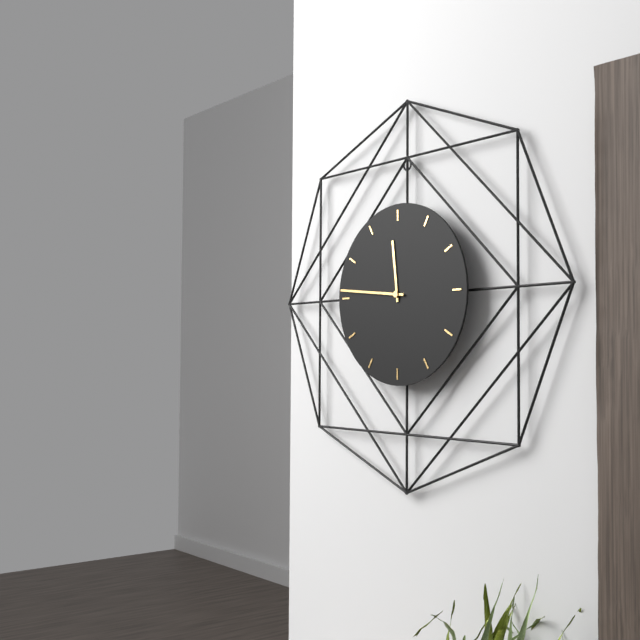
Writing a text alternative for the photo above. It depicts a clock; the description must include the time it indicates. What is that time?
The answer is 11:46
